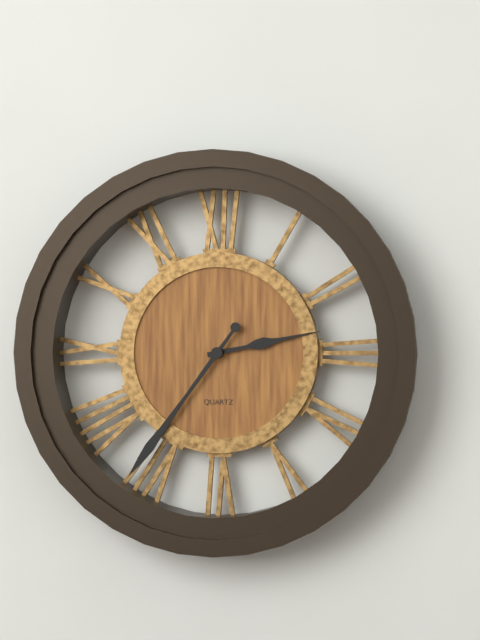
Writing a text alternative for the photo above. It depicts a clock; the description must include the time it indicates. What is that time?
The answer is 2:36
